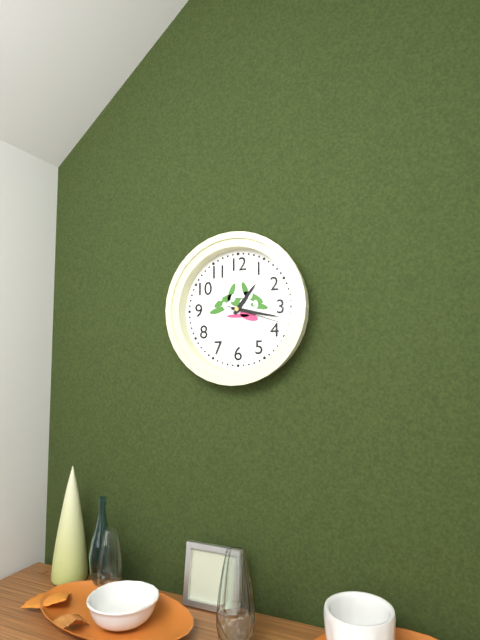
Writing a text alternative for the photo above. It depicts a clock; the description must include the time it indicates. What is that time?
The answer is 1:17:18
